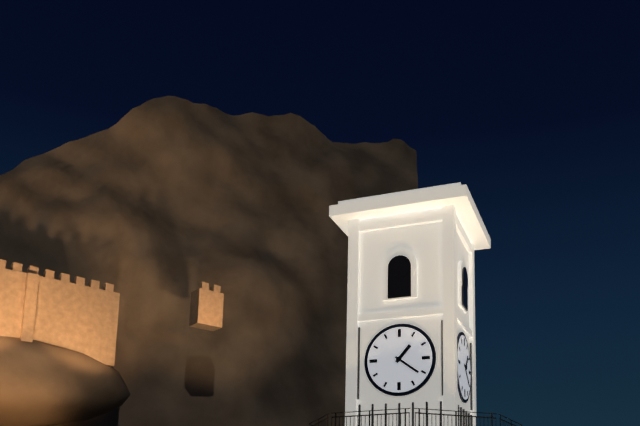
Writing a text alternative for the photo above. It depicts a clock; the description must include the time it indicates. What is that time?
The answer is 1:21
